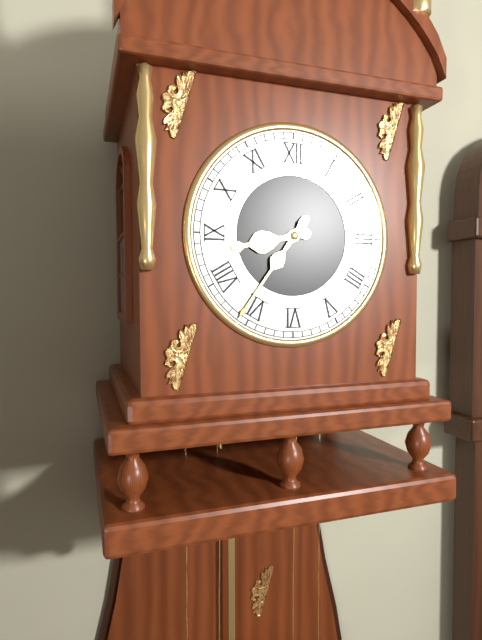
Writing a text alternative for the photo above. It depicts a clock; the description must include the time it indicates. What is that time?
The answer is 8:36
